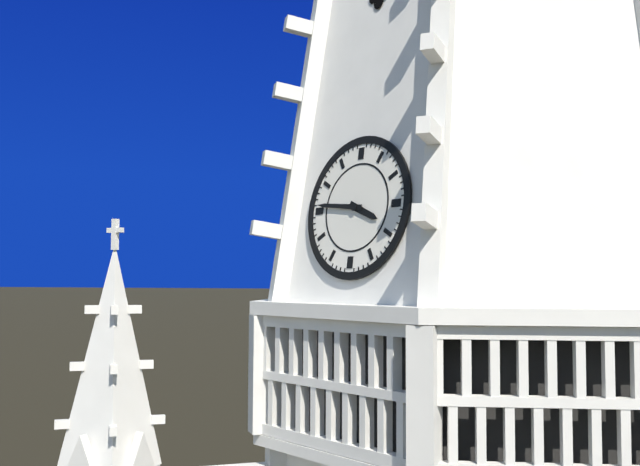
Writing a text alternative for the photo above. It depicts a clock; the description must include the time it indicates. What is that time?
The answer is 3:46
